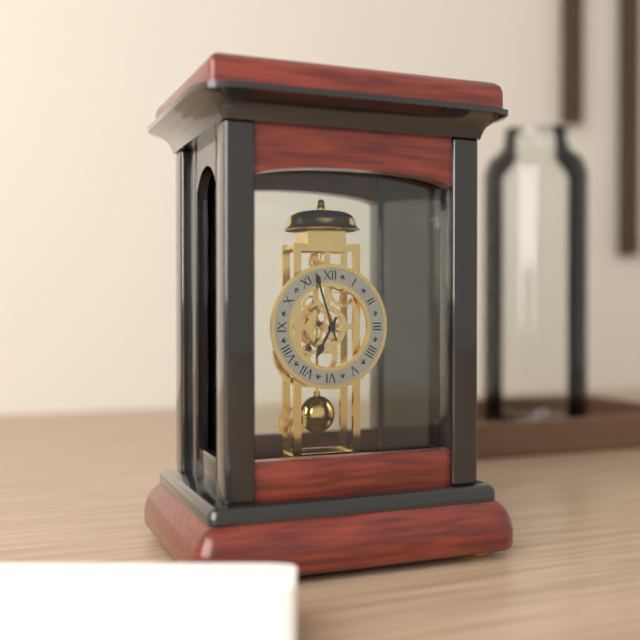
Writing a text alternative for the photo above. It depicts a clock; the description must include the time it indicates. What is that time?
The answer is 6:57
